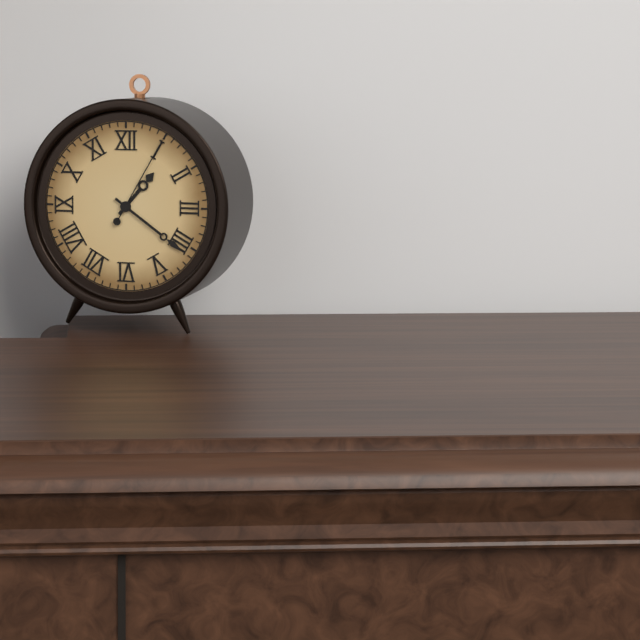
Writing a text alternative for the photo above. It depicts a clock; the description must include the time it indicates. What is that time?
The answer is 1:21:05
